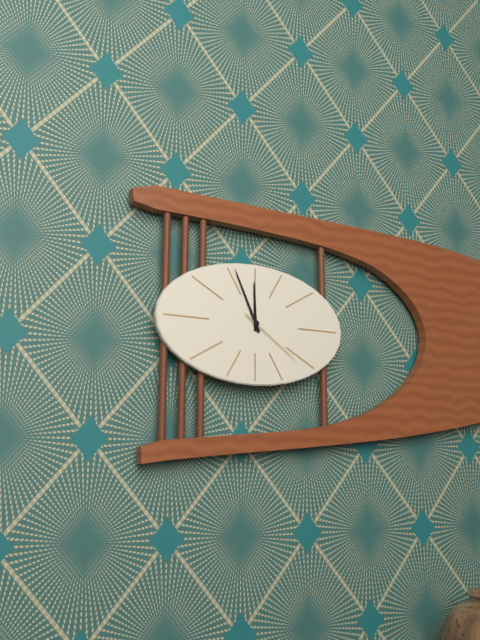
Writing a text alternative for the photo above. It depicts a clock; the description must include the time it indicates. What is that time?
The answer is 11:56:21
